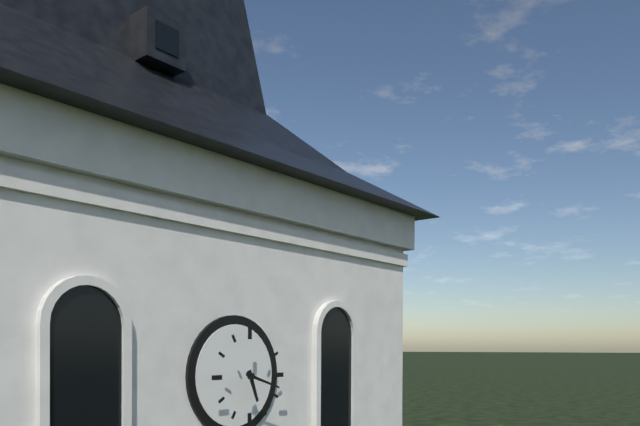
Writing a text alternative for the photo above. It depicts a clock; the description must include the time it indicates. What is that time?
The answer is 5:18
